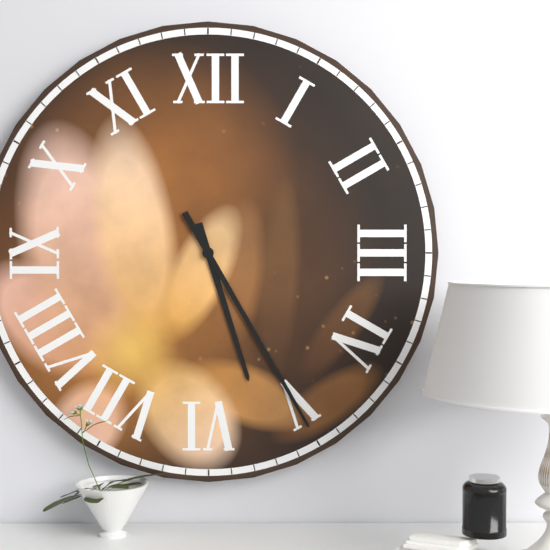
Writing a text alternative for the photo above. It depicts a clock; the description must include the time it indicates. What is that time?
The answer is 5:25
